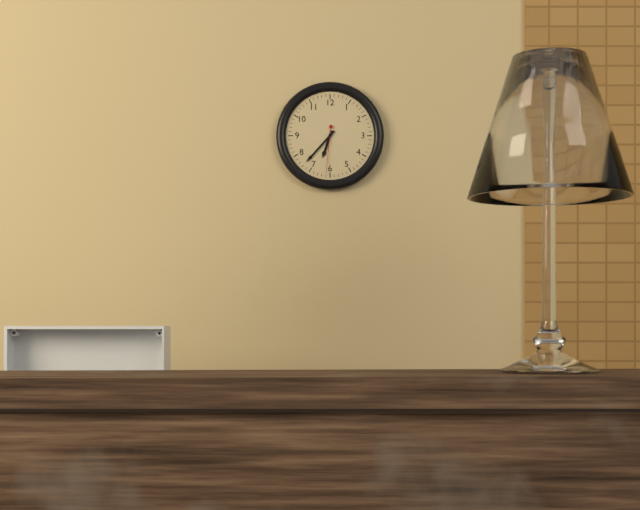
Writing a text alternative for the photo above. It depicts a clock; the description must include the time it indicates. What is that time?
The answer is 6:37
